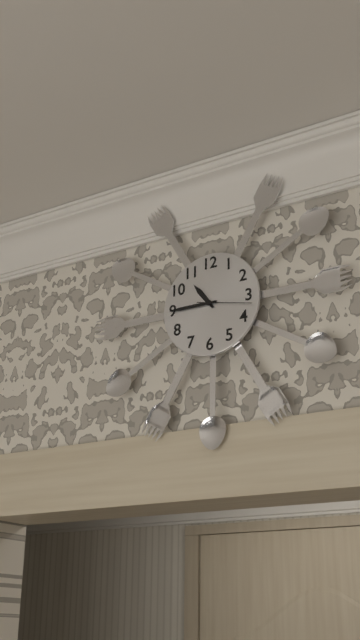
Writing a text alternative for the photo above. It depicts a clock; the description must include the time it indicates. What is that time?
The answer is 10:45:17
